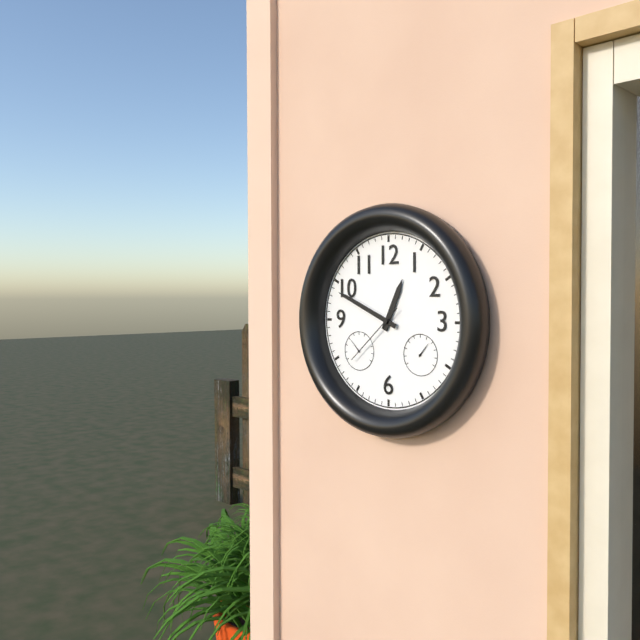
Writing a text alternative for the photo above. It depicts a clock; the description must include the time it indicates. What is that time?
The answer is 12:49:38
